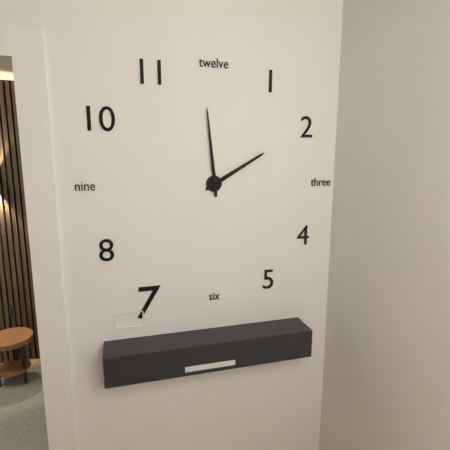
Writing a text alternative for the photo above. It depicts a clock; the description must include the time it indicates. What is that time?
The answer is 1:59
